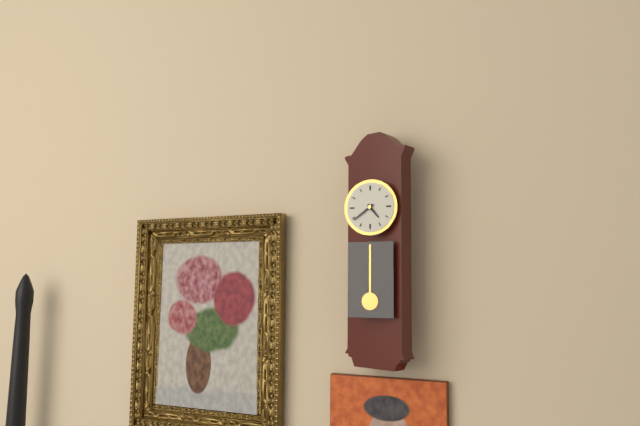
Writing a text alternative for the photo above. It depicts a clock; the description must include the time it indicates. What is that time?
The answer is 4:39
